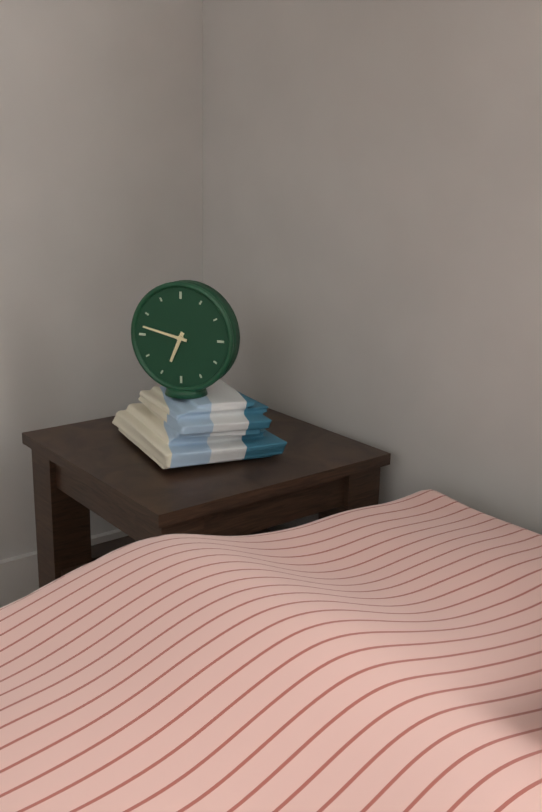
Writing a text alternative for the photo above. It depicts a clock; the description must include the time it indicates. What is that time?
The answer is 6:47
